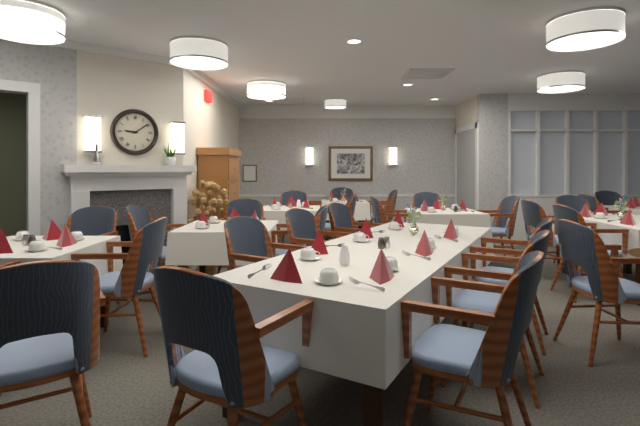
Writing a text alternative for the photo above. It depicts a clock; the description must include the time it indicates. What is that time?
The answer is 9:09
